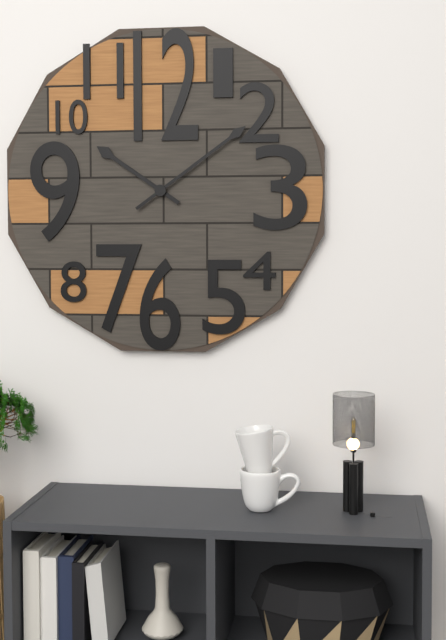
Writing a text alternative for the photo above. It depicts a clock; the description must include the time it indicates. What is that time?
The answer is 10:09
